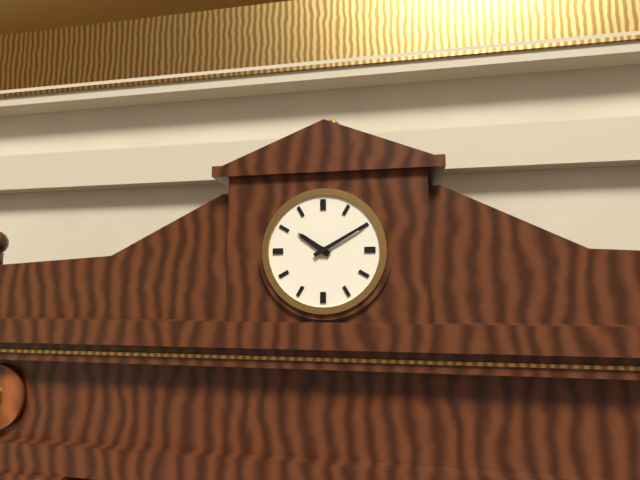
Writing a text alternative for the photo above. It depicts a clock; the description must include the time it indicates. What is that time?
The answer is 10:10
